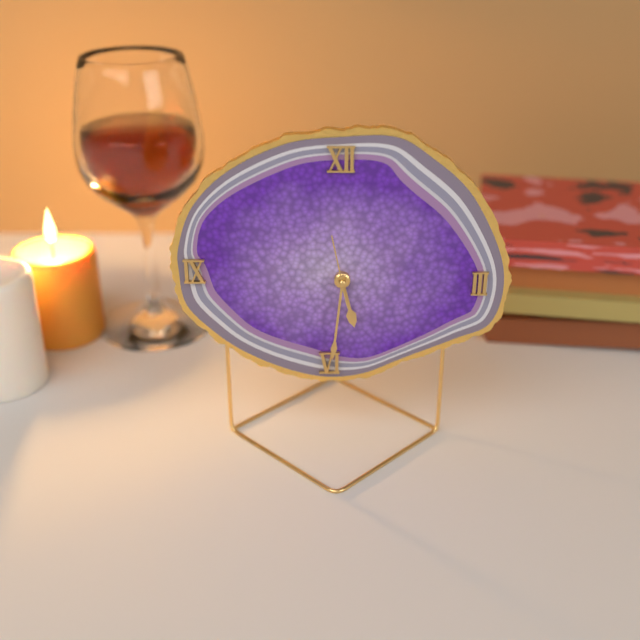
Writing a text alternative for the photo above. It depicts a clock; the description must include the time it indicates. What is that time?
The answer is 5:31
